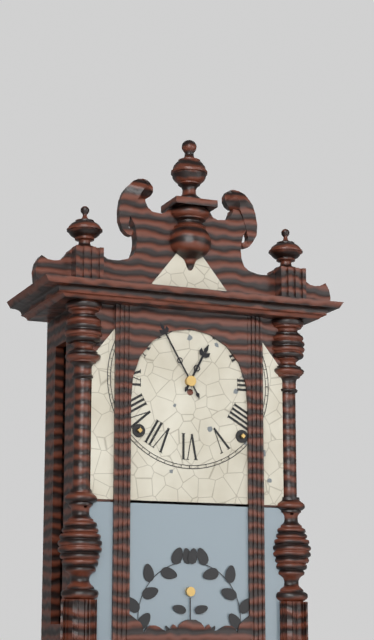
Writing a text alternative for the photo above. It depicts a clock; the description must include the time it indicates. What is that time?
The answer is 12:55
